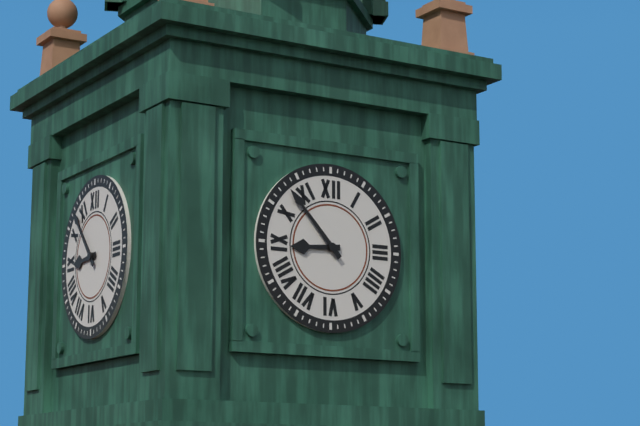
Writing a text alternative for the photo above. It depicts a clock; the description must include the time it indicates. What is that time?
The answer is 8:53
